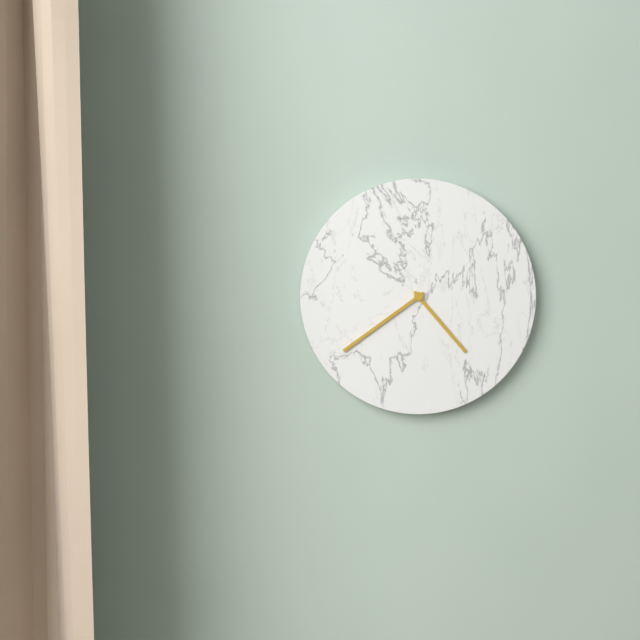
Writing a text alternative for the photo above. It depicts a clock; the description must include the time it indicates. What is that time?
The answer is 4:39
